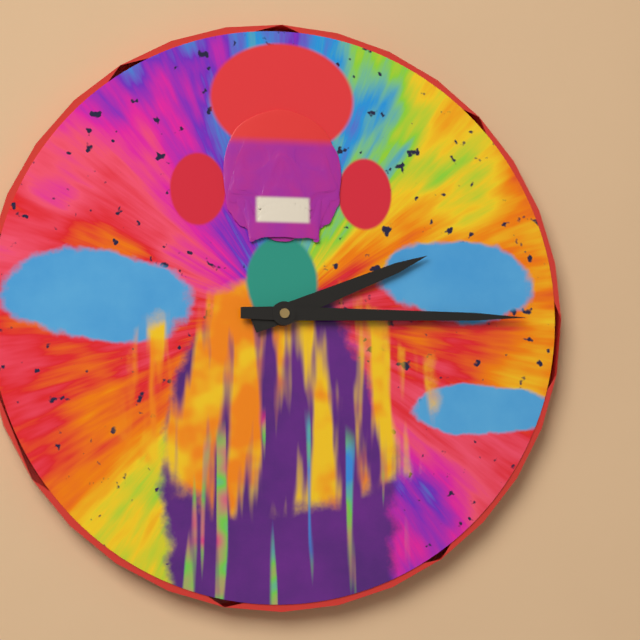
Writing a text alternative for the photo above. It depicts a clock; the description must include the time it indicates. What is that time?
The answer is 2:15
